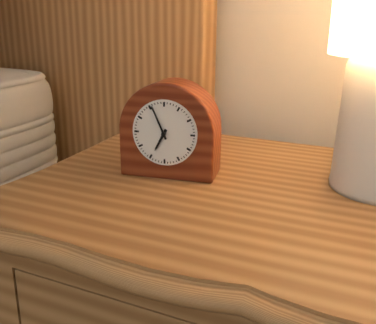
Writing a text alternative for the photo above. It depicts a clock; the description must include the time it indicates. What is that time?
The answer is 6:56
